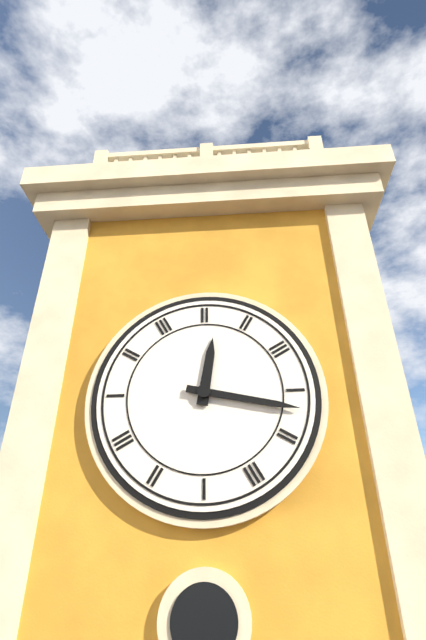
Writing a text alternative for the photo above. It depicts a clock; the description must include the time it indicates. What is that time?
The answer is 12:17
